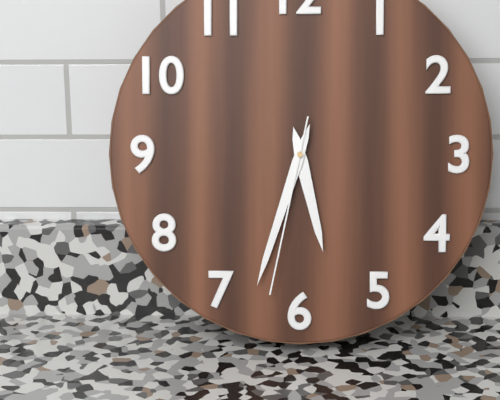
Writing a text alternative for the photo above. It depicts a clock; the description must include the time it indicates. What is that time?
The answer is 5:33:32
